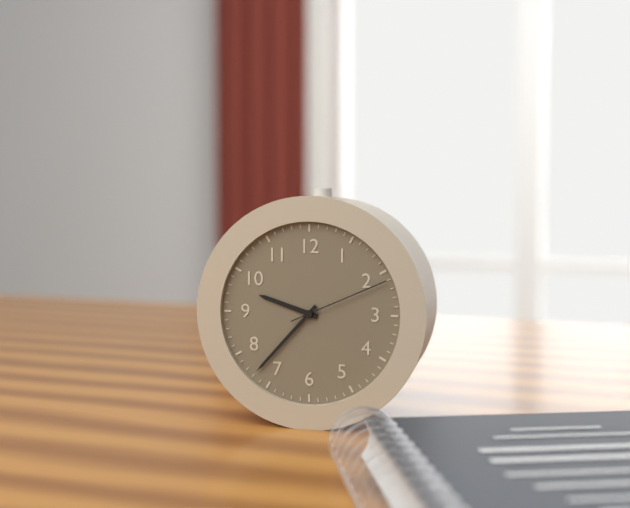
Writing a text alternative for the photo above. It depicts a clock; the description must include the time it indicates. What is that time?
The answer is 9:37:11
